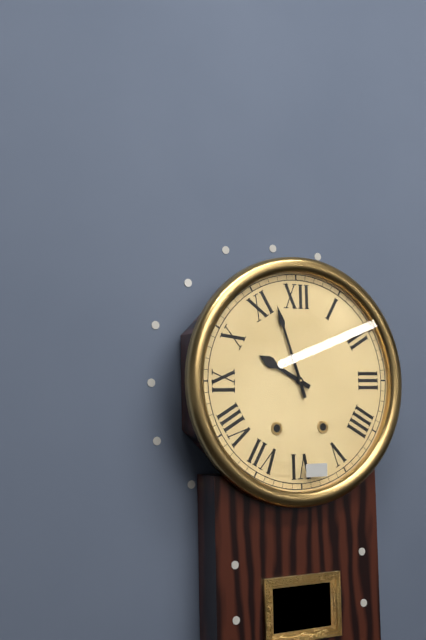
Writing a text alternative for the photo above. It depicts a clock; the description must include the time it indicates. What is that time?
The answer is 9:57
